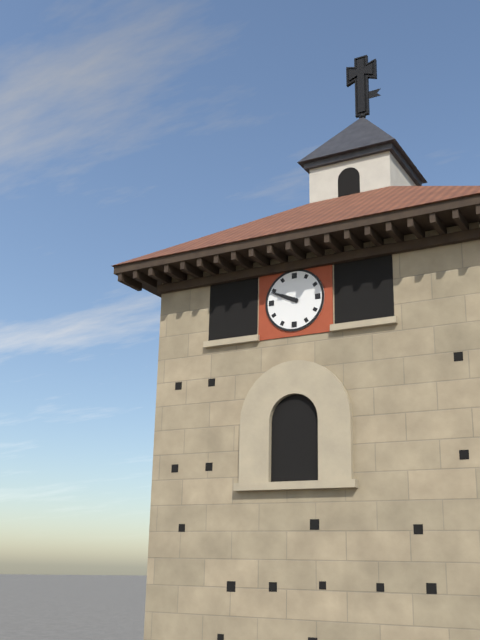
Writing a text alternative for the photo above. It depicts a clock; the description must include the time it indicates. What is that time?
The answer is 9:49
